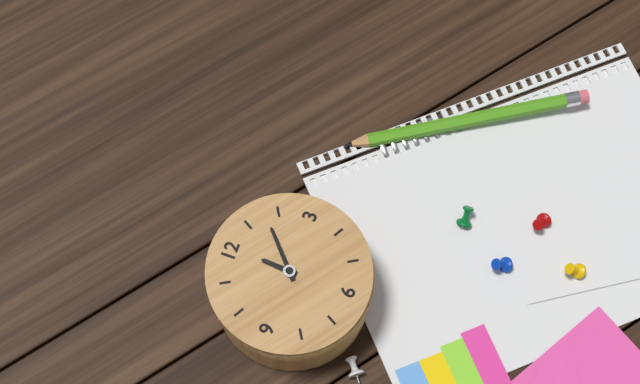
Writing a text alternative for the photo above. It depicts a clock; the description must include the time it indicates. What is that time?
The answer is 12:08
